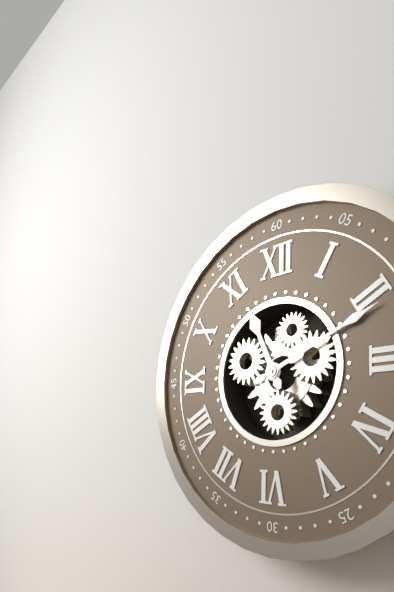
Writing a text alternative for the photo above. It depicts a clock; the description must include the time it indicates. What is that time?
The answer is 11:11
